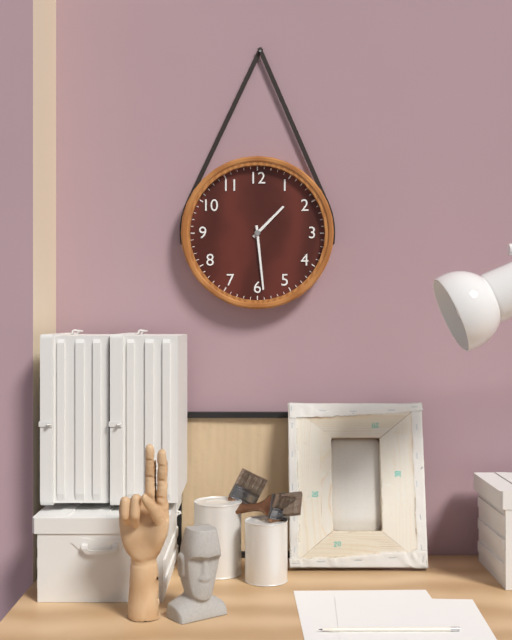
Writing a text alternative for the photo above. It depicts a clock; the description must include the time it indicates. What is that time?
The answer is 1:29
